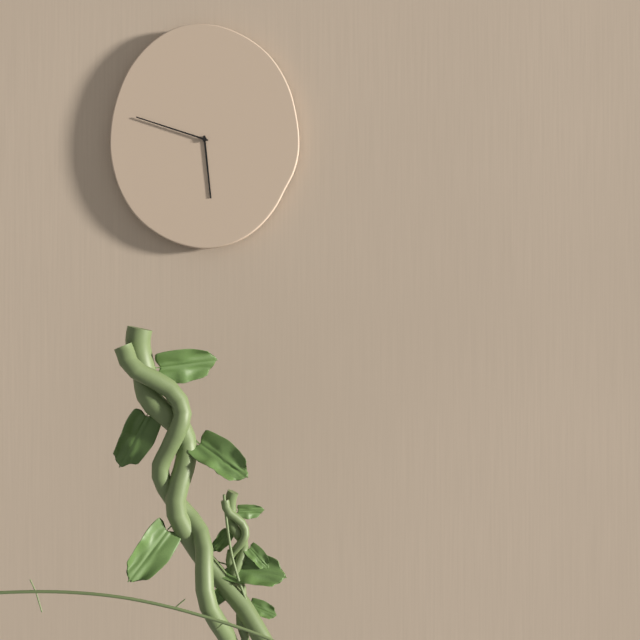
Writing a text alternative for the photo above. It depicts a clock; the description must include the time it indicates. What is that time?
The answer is 5:48
